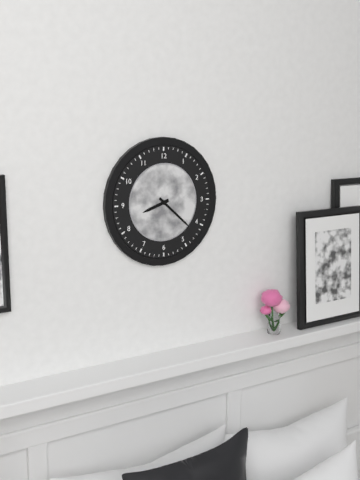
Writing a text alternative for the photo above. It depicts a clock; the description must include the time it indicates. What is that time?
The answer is 8:22
